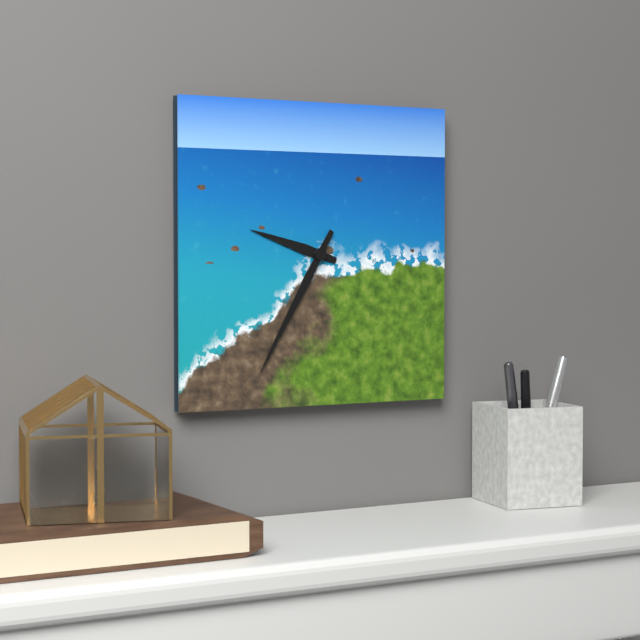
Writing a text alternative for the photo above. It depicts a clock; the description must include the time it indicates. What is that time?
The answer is 9:35
